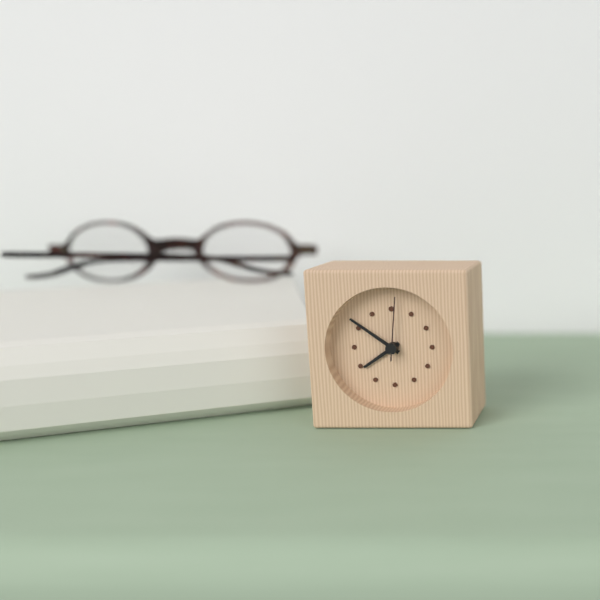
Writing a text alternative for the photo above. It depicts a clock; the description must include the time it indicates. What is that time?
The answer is 7:51:01
